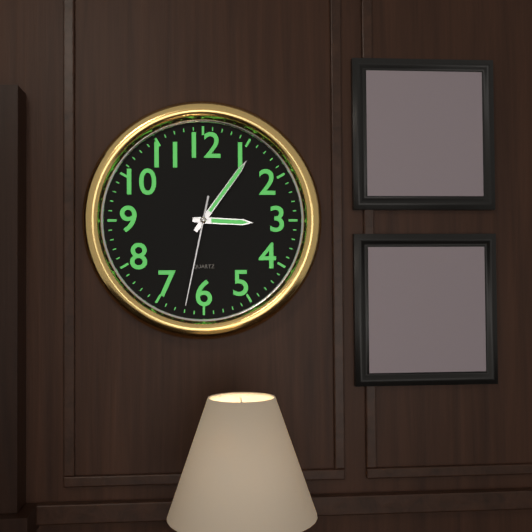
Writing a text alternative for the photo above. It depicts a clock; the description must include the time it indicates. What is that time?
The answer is 3:06:32
